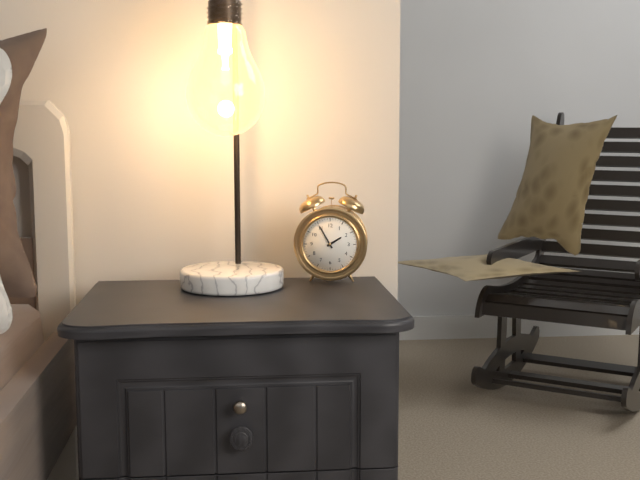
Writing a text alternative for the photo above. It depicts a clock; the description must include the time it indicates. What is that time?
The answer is 1:55
